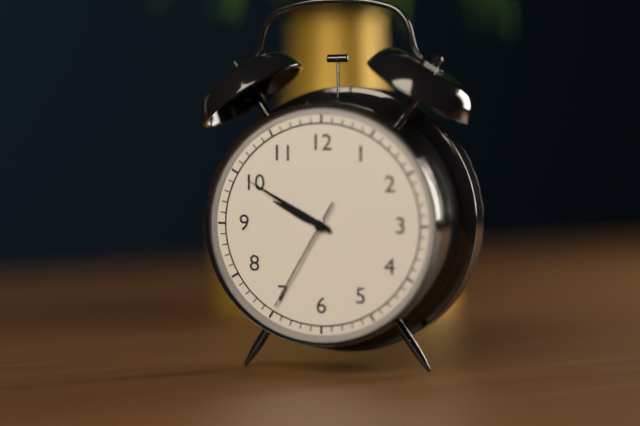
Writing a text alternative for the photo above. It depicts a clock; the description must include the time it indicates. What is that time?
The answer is 9:50:35
